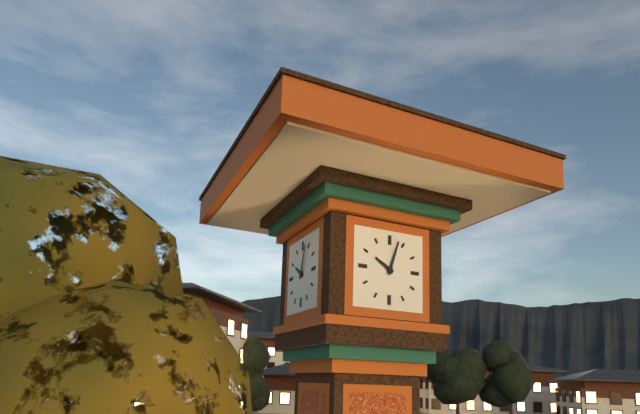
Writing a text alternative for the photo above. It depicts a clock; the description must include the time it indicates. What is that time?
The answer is 10:03
